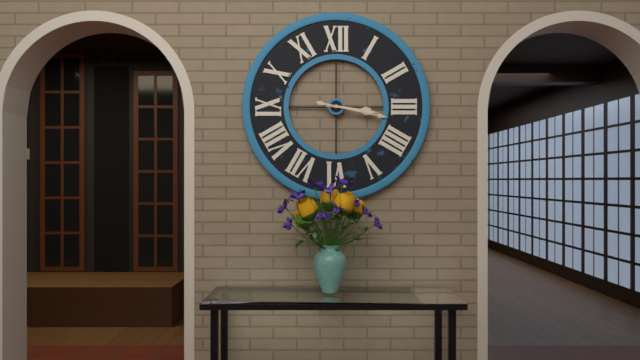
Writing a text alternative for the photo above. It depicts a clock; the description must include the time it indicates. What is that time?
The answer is 3:17
